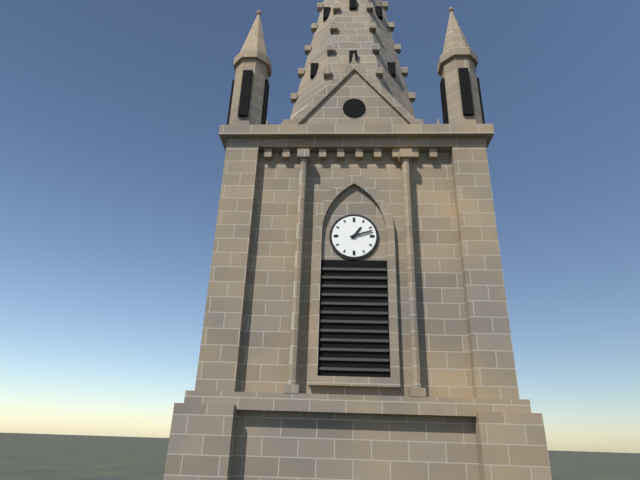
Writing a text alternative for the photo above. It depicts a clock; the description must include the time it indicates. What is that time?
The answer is 1:12
